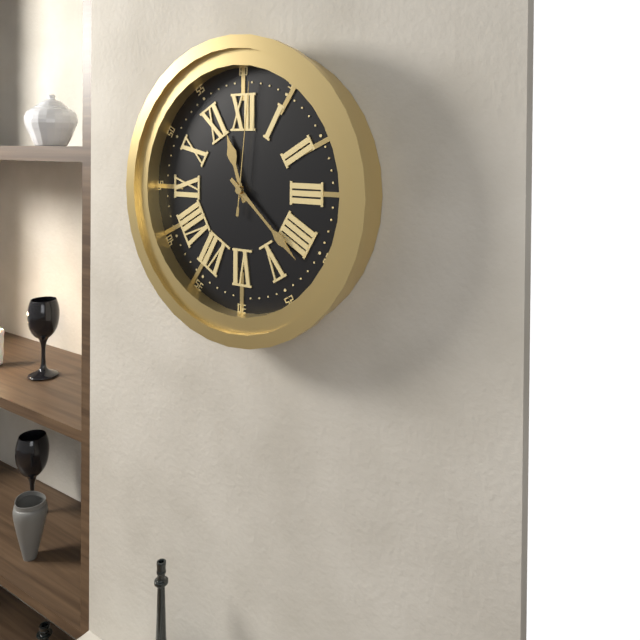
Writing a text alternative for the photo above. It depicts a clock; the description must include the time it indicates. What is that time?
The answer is 11:22:01
